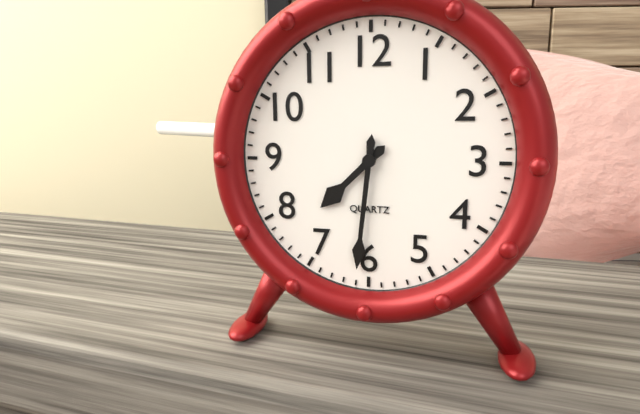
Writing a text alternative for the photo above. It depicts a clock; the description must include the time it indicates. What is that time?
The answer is 7:31
